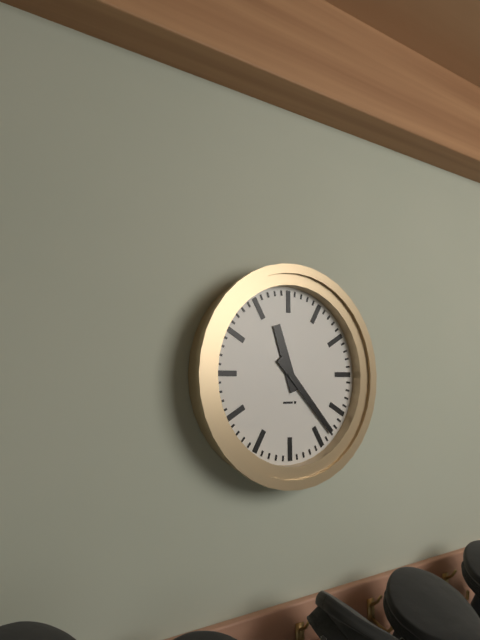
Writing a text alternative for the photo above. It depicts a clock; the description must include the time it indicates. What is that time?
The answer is 11:23
